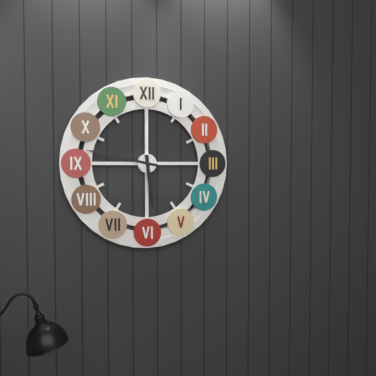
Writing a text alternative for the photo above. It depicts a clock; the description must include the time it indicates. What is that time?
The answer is 5:47
